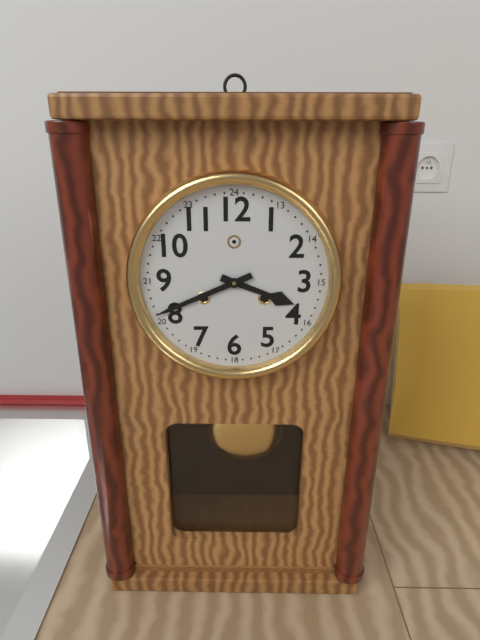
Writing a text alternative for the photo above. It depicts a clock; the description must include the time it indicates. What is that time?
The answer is 3:41
